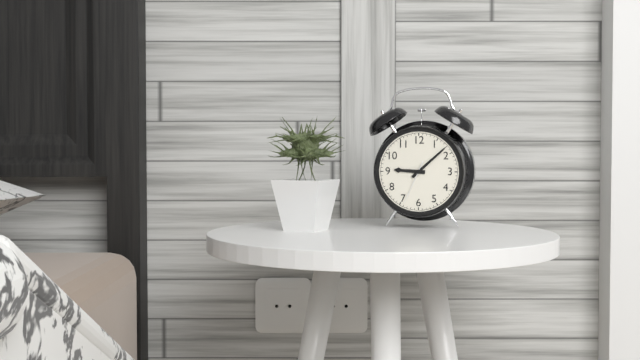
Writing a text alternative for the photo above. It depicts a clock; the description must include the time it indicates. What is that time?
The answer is 9:08
